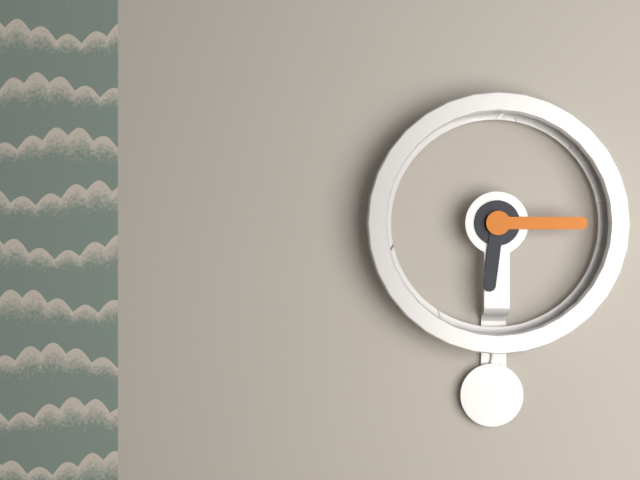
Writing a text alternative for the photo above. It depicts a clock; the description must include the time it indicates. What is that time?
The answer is 6:15
